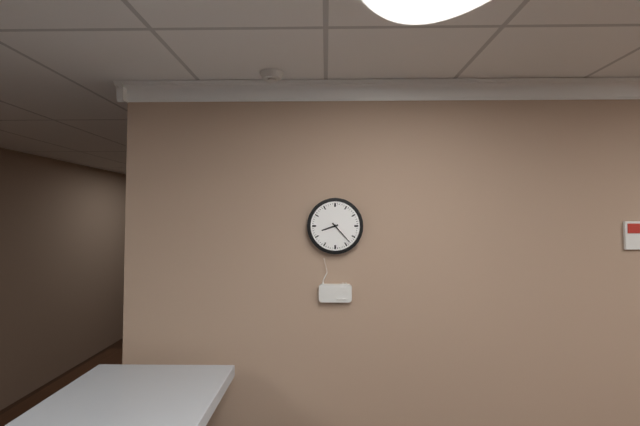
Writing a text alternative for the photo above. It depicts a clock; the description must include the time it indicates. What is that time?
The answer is 8:23
